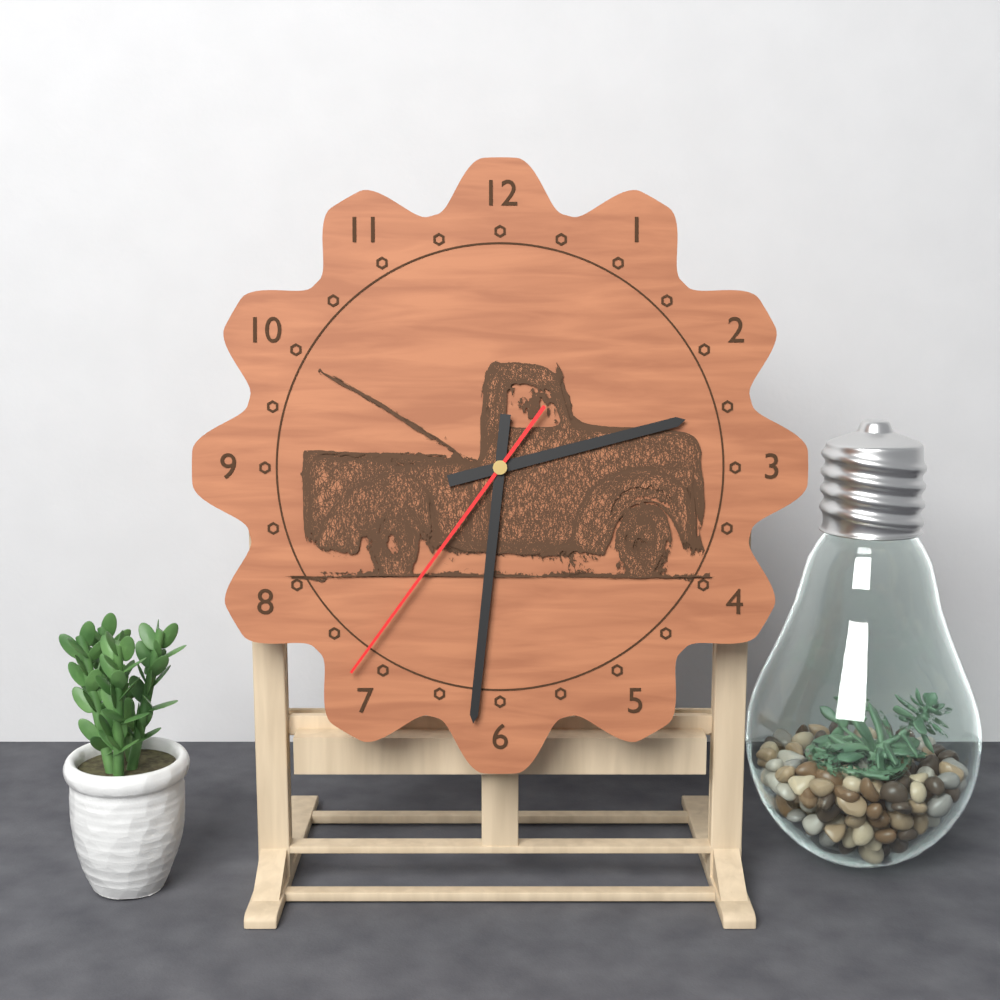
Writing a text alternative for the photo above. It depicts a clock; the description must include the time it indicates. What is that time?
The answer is 2:31:36
